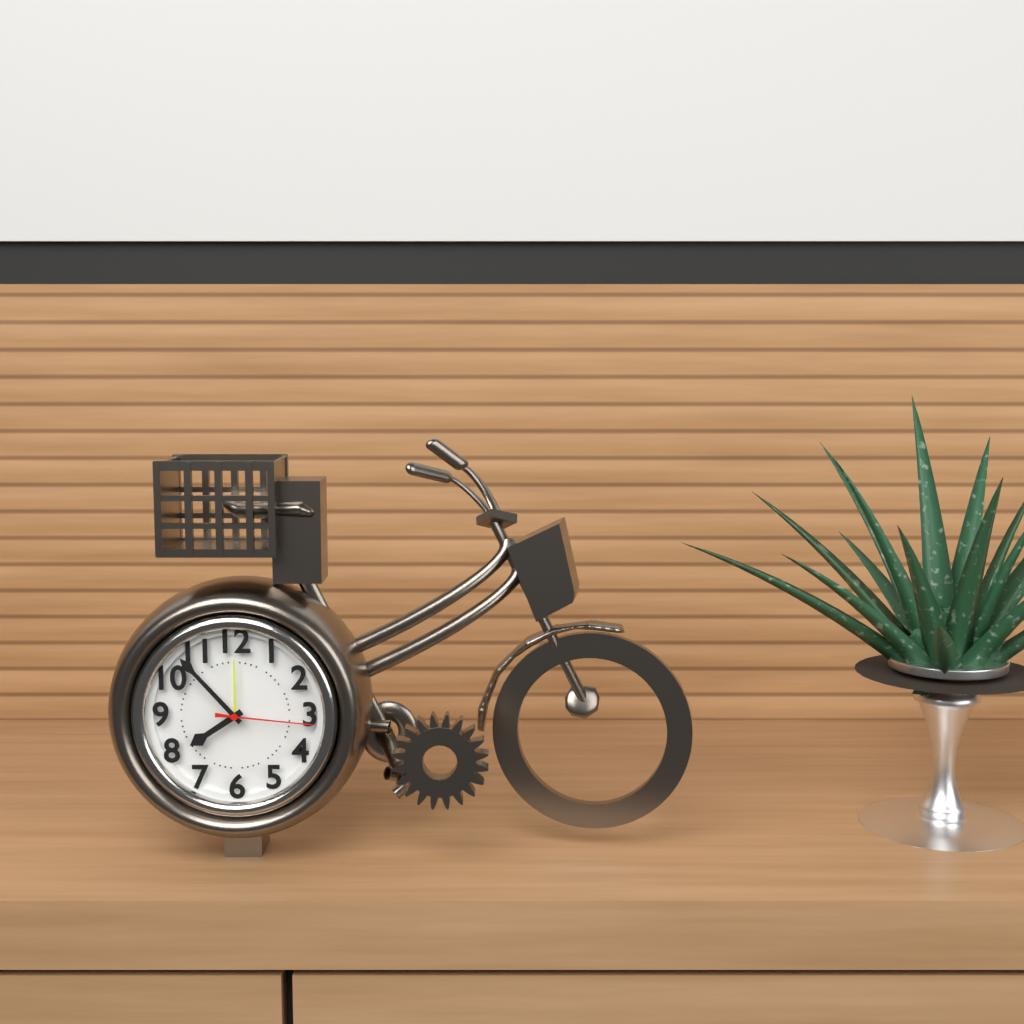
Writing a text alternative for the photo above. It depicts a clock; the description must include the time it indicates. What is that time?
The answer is 7:53:16
